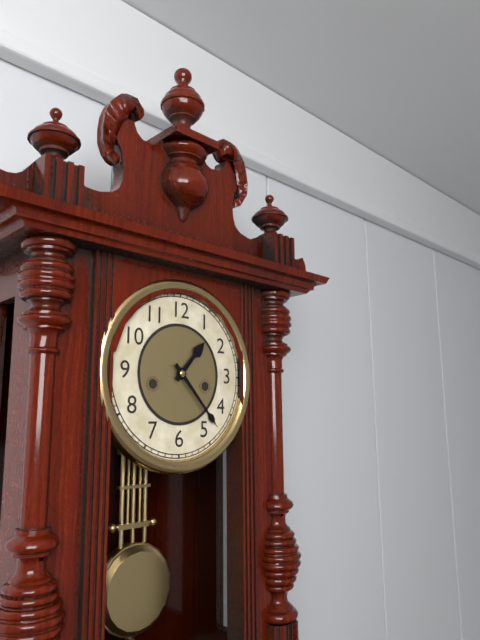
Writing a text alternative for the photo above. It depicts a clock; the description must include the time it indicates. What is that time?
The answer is 1:23
